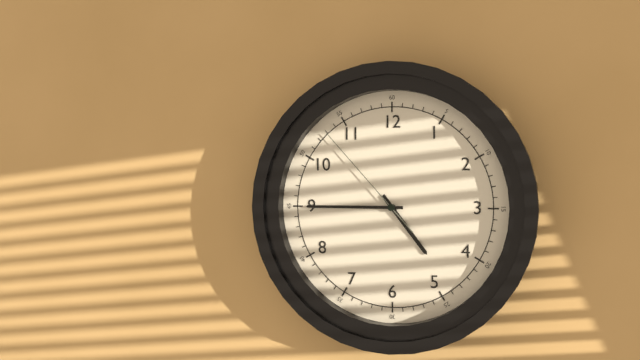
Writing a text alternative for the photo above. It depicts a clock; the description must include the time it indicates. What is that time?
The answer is 4:45:53
